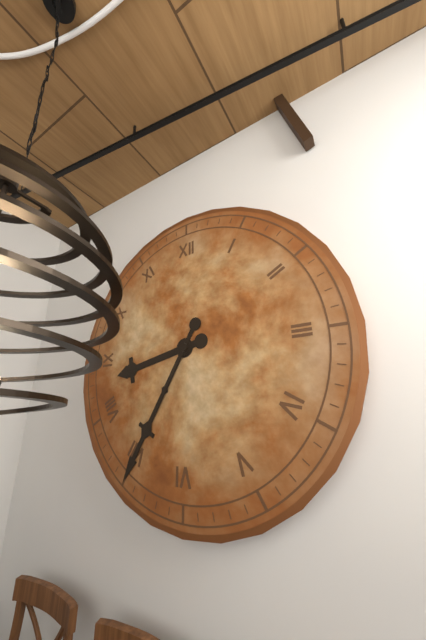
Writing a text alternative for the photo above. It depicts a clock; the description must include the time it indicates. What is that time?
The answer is 8:35
